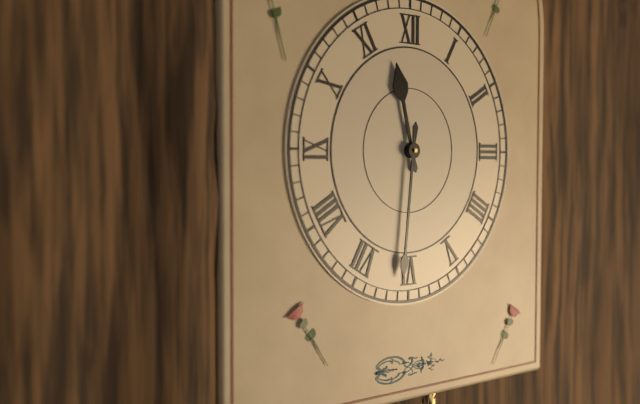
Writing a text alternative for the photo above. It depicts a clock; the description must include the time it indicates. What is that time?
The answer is 11:31
